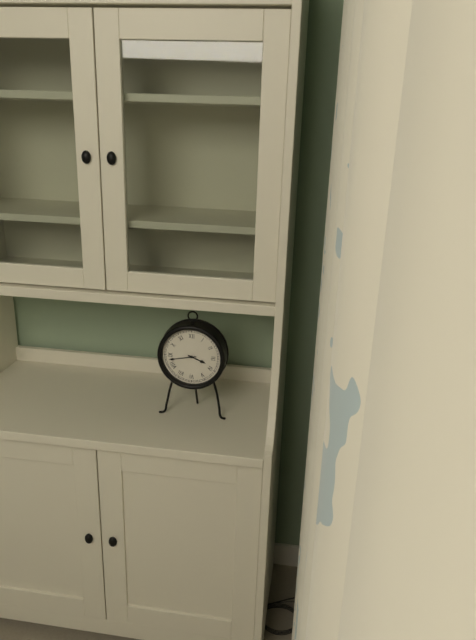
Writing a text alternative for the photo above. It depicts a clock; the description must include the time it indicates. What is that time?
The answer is 3:43
